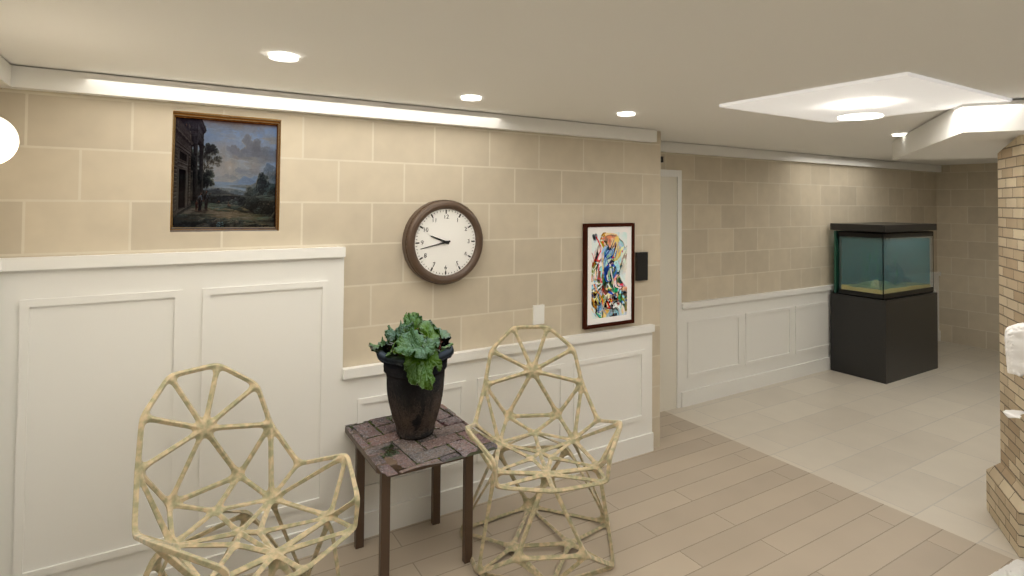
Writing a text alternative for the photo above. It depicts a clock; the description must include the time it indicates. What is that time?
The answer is 9:43
